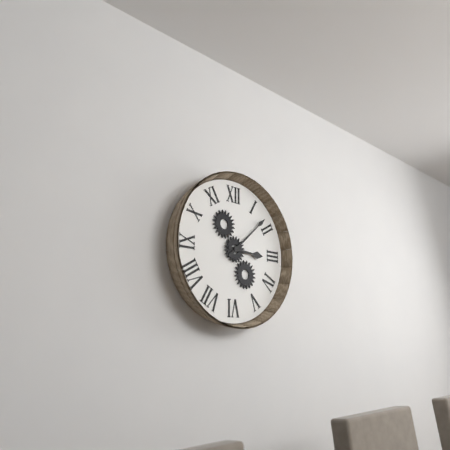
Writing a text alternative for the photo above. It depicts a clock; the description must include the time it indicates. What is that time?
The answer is 3:08
